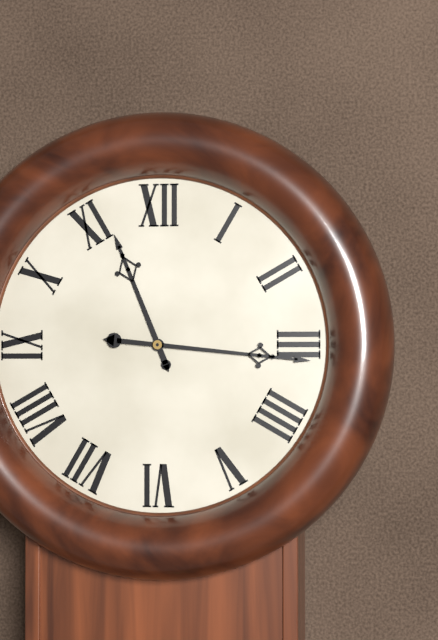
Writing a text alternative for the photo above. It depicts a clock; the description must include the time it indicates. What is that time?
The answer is 11:16
